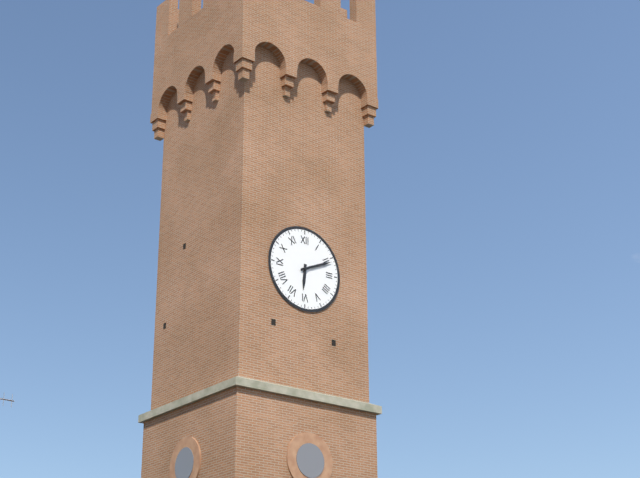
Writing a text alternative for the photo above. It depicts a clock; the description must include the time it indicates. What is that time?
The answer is 6:11
